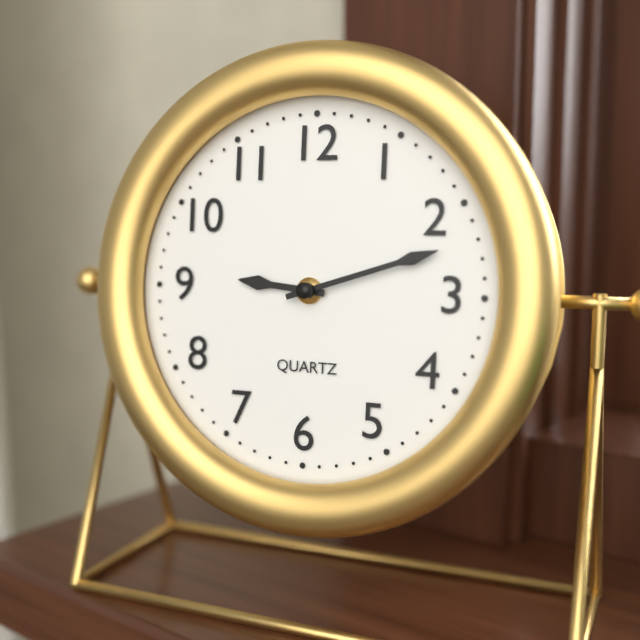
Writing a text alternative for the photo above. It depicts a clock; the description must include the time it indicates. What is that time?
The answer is 9:12
